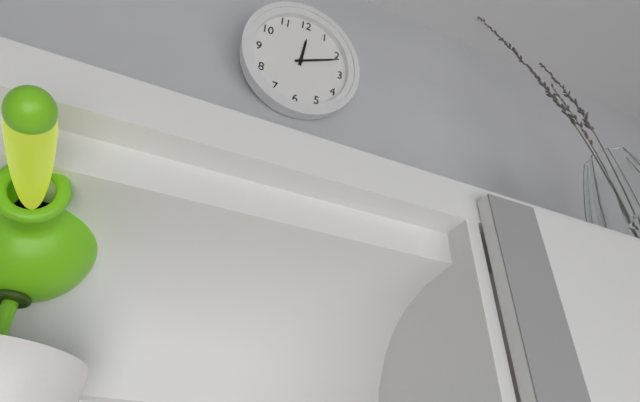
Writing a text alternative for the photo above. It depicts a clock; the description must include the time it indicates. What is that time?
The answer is 12:11
